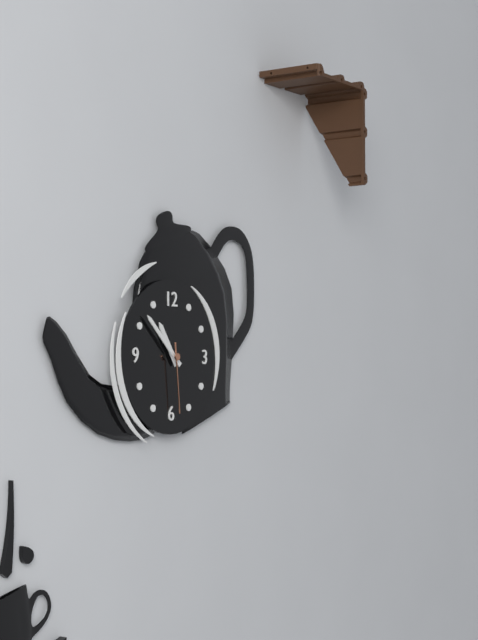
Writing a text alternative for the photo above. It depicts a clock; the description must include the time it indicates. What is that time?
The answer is 10:52:29
